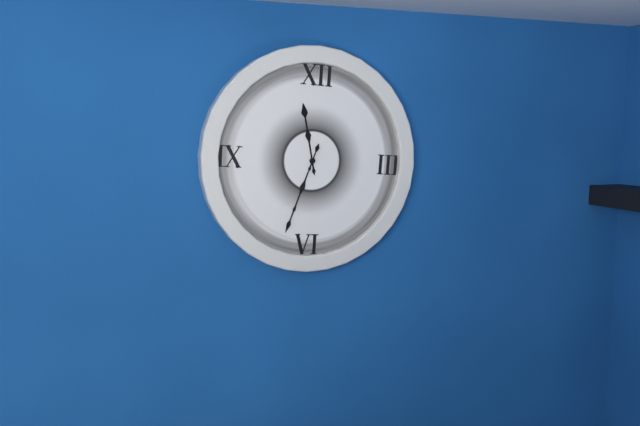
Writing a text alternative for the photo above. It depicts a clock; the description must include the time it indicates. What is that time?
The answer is 11:33
